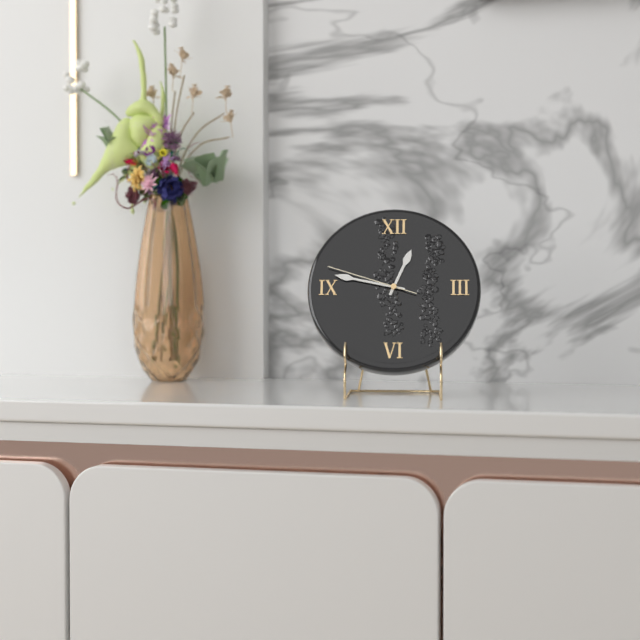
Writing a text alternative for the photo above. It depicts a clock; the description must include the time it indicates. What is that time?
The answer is 12:47:48
